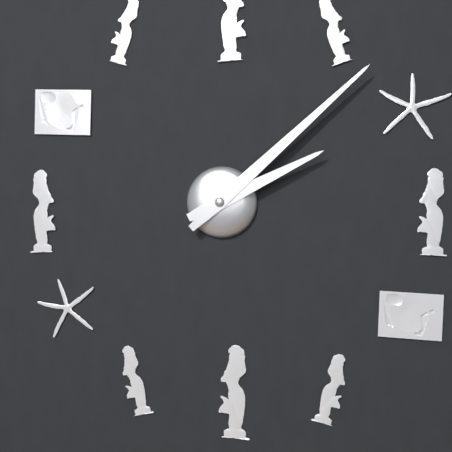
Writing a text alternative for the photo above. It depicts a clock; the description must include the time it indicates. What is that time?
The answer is 2:08
